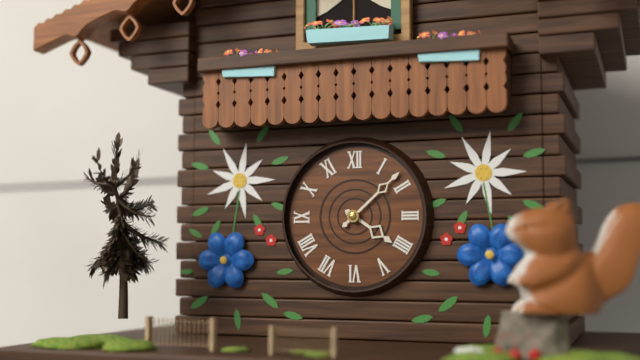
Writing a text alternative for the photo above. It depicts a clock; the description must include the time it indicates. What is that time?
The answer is 4:08
